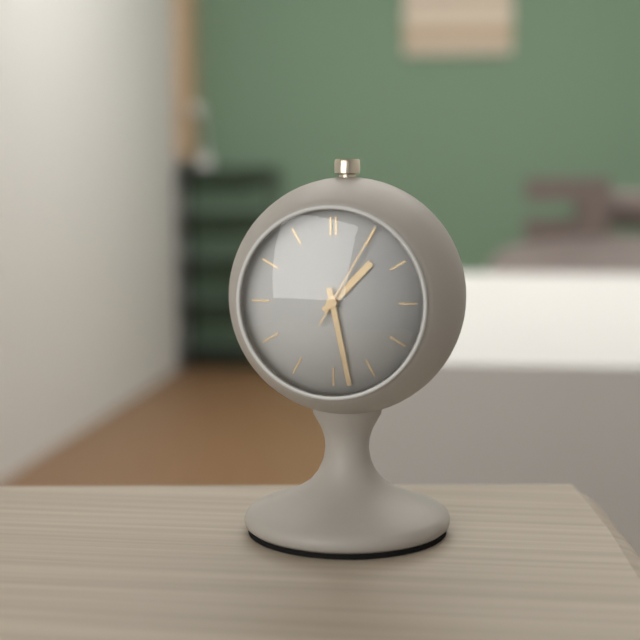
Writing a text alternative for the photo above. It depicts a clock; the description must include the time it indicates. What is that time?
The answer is 1:28:05
